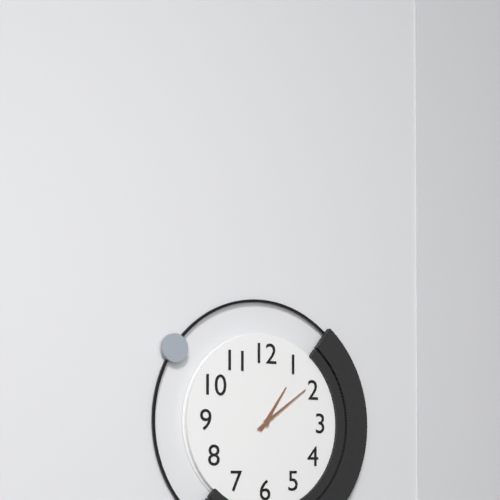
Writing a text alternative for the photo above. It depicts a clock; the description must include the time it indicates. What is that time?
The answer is 1:09
